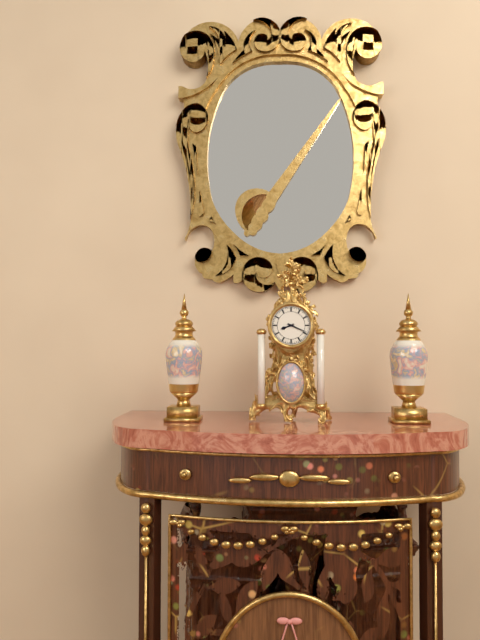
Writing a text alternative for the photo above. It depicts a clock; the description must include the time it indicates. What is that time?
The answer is 8:19
